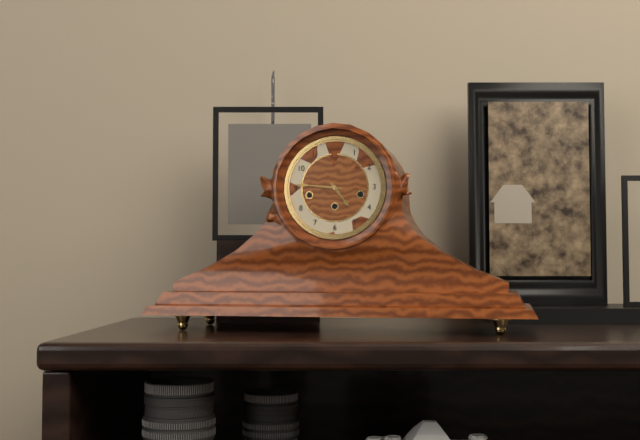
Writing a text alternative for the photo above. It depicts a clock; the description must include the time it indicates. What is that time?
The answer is 4:46
